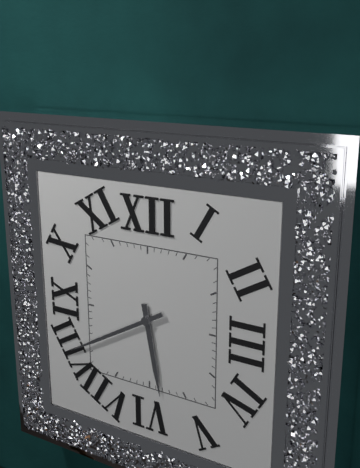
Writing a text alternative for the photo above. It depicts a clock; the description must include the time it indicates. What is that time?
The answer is 5:40
